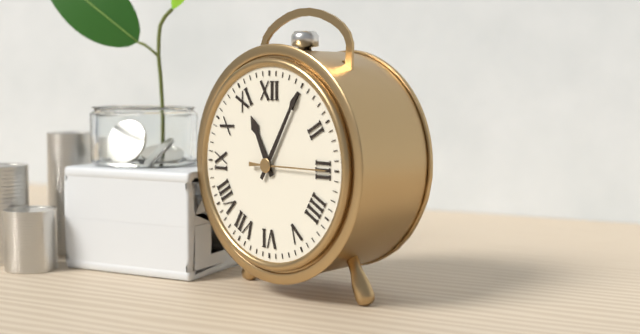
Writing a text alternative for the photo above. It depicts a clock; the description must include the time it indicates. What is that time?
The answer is 11:05:15
